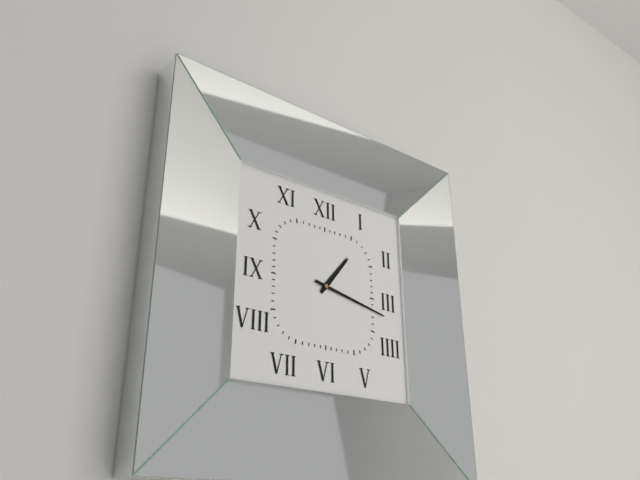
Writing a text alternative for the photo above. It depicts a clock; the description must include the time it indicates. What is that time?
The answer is 1:17
